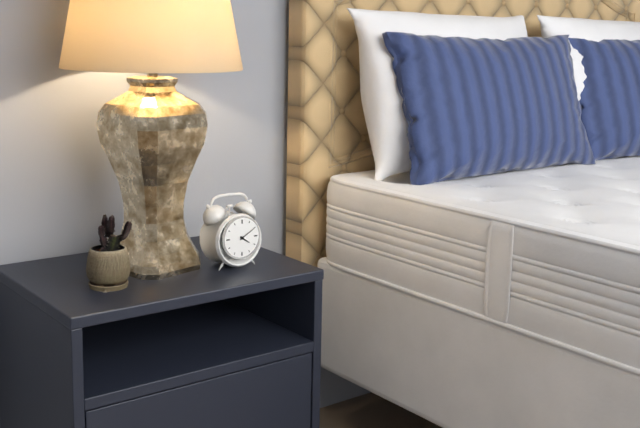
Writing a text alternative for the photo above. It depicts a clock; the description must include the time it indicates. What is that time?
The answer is 4:10
